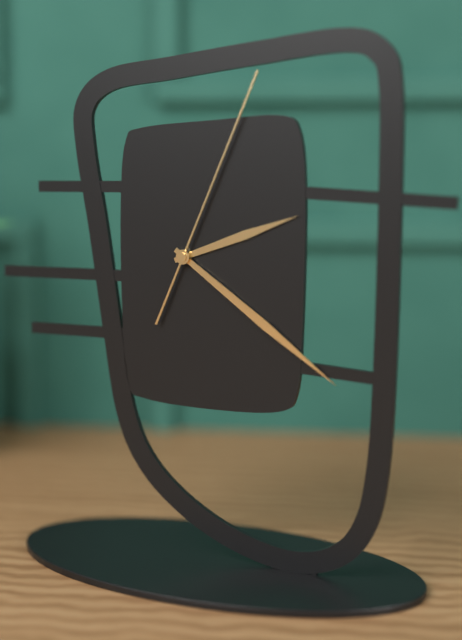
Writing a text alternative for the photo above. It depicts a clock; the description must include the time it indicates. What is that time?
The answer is 2:21:04
